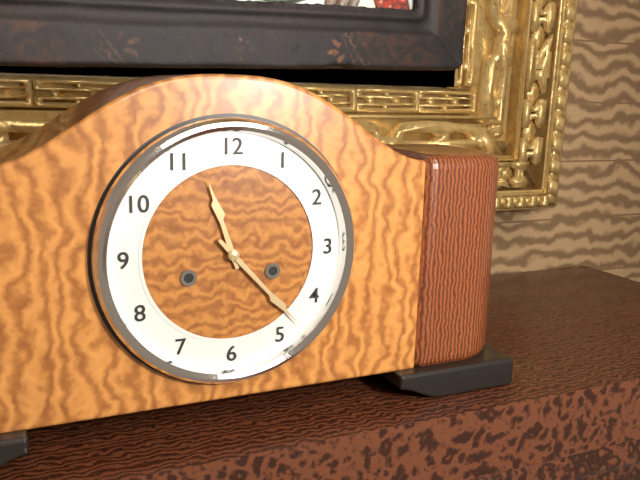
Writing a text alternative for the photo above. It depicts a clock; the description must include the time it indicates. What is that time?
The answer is 11:23
